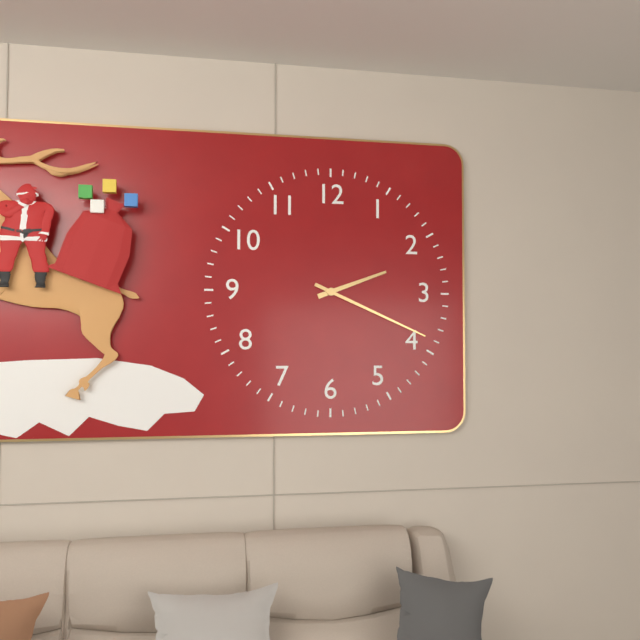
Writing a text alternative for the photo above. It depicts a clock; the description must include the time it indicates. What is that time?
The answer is 2:19
